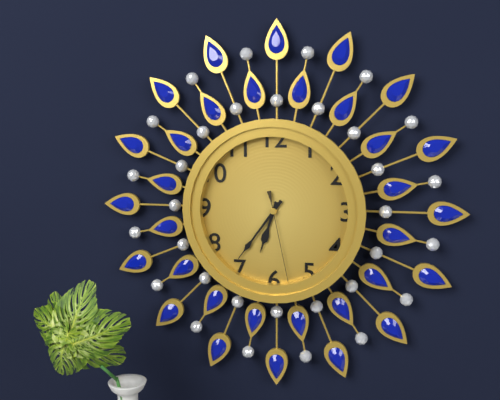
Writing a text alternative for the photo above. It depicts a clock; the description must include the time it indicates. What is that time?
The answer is 6:36:28
